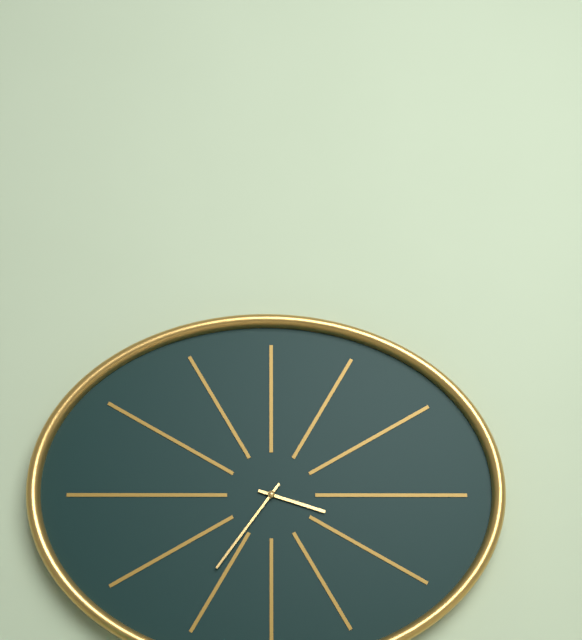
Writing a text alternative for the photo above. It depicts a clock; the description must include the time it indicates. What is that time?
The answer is 3:36
